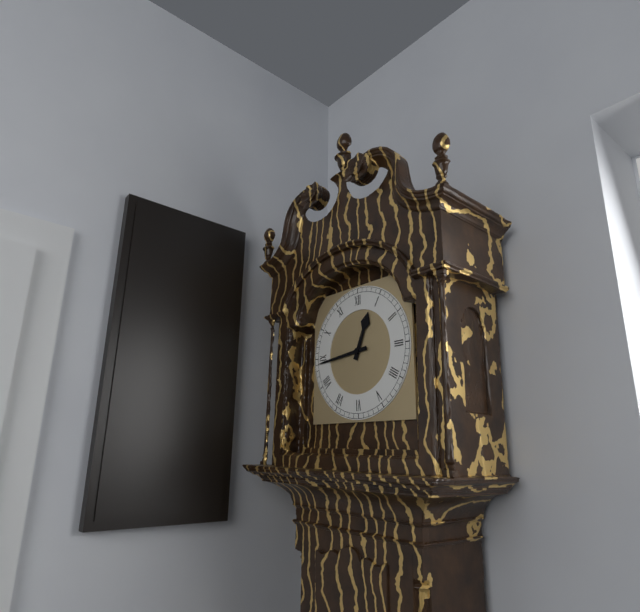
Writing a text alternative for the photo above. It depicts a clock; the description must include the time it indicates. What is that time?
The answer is 12:44
